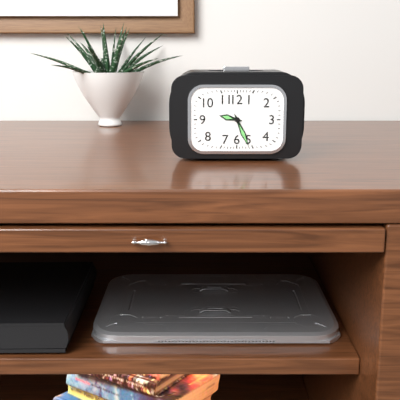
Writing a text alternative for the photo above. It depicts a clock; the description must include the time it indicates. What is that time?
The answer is 9:26
